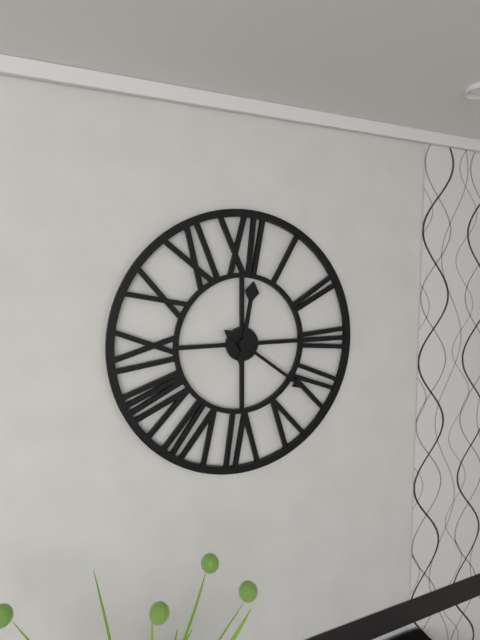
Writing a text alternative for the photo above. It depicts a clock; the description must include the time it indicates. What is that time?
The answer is 12:21
